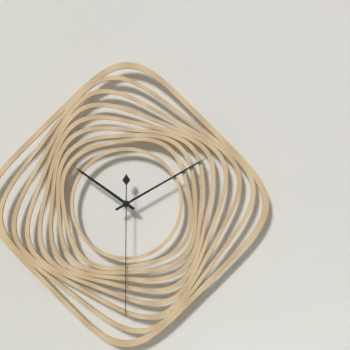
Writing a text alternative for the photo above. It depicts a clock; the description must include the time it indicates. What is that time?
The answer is 10:10:30
